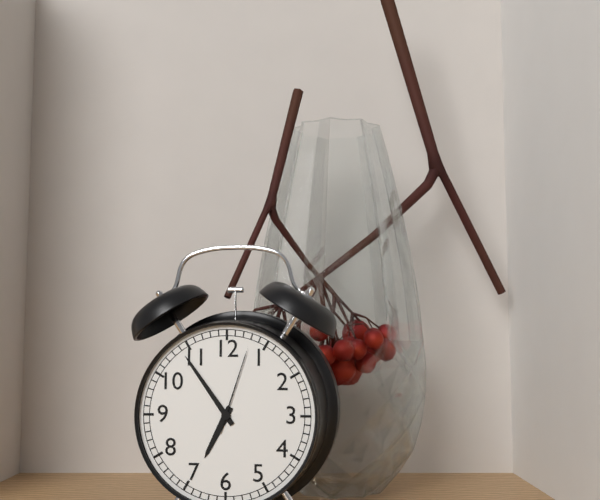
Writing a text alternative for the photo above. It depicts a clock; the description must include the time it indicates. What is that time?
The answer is 6:54:03
